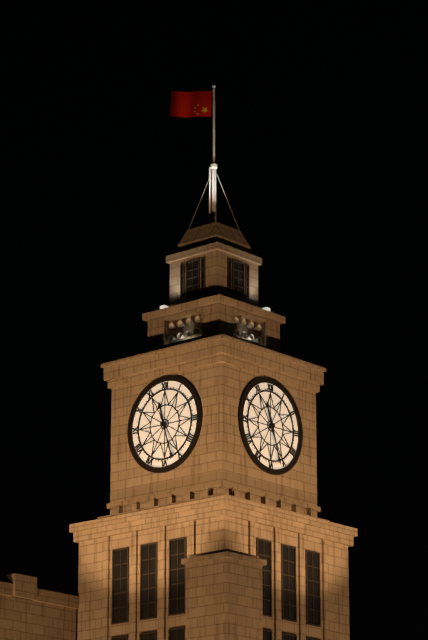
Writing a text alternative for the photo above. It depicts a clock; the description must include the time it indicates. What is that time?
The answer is 11:27
